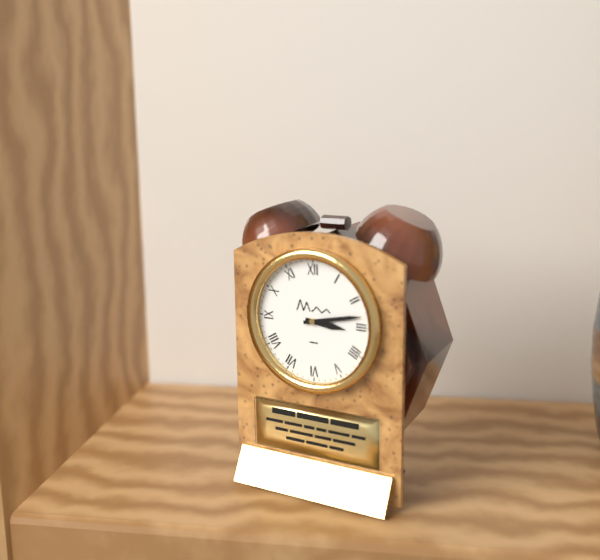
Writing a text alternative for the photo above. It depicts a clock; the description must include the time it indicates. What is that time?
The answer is 3:13
